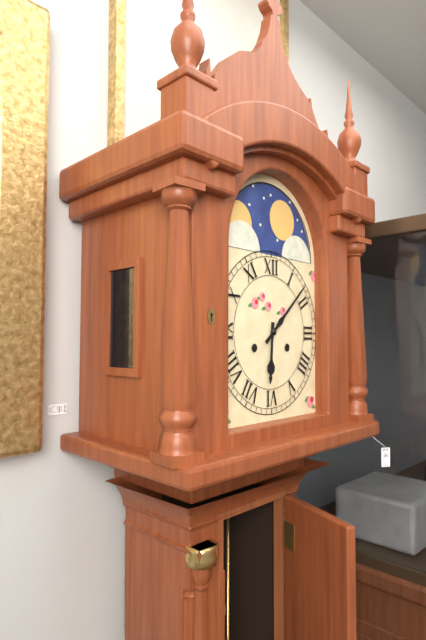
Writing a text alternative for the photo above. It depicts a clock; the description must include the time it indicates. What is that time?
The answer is 6:08
